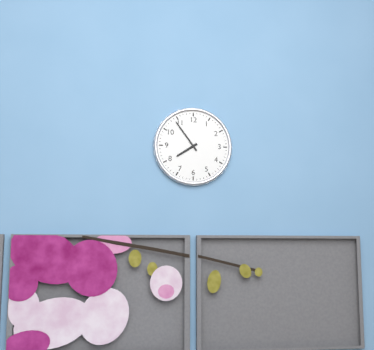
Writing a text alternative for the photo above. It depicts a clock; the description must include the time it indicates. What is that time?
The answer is 7:54
